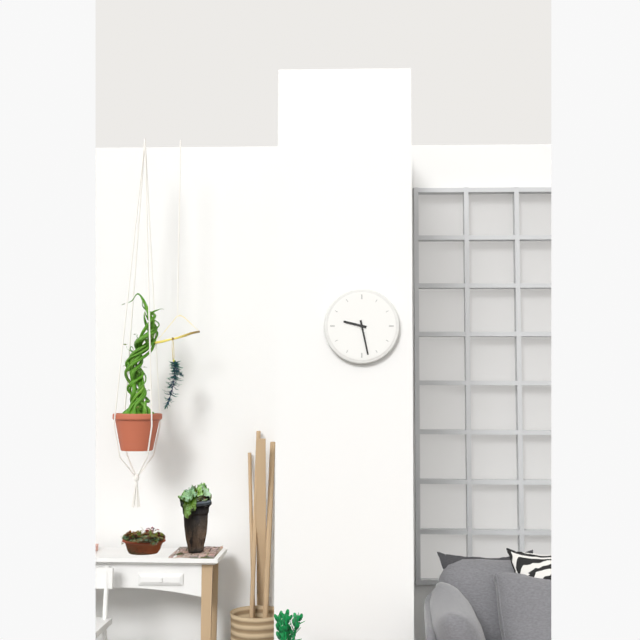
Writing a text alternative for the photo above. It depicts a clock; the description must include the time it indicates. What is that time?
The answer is 9:28
